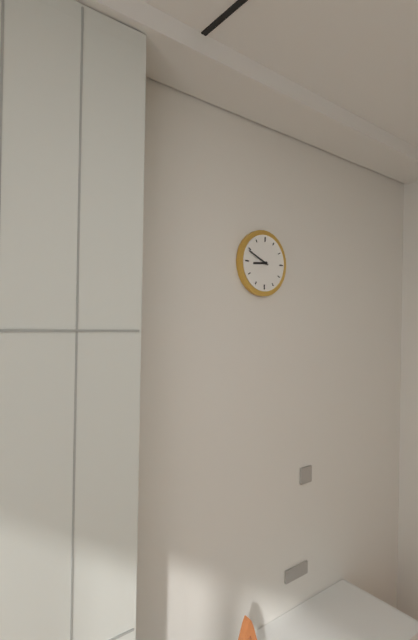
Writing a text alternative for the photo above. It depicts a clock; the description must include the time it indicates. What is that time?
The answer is 8:49
